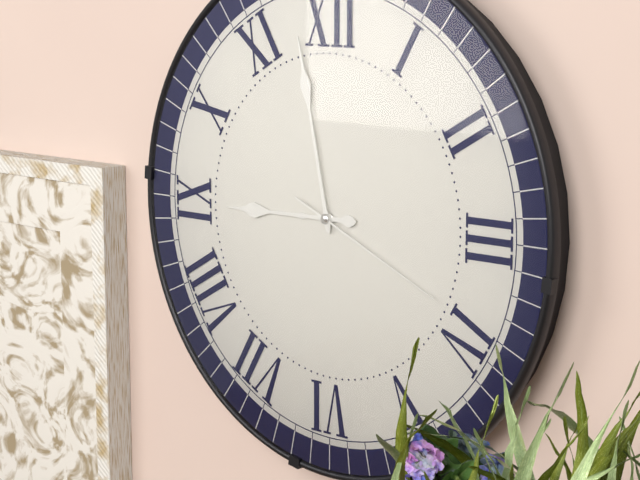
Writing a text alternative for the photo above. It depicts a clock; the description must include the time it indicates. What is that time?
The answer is 8:58:19
